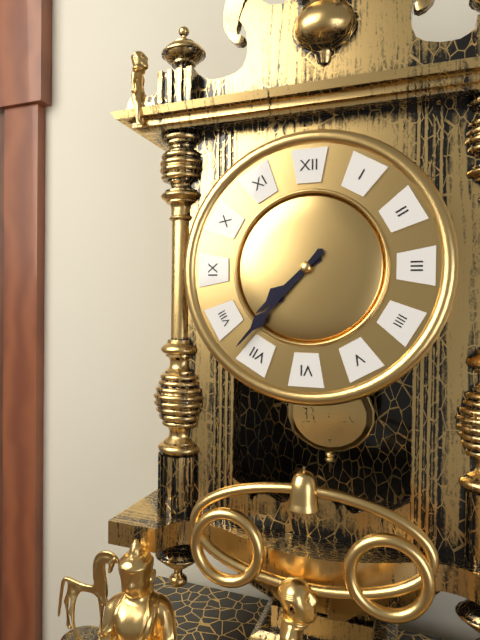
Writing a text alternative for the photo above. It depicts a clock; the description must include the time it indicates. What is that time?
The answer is 7:37
